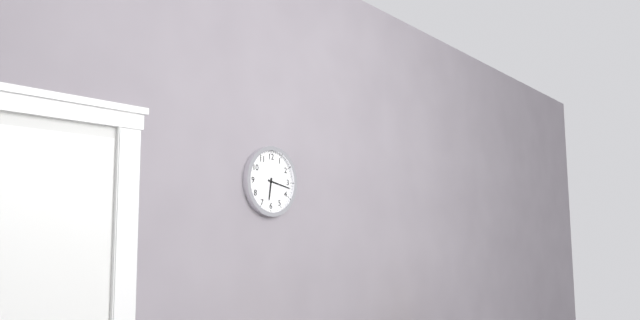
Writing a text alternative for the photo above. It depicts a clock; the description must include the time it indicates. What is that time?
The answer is 6:17
